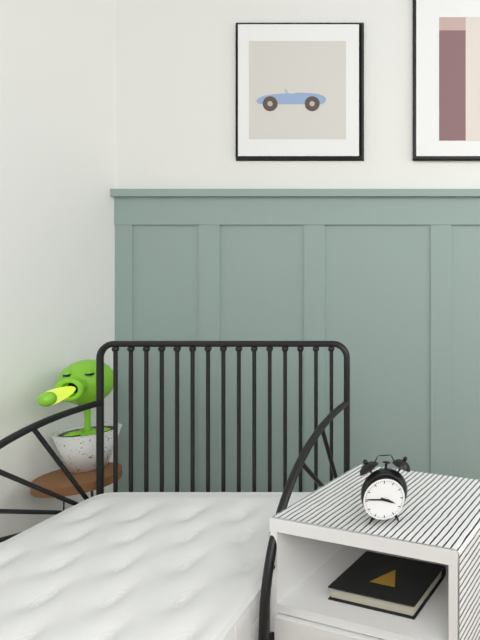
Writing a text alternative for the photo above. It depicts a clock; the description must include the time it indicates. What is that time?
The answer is 3:46
